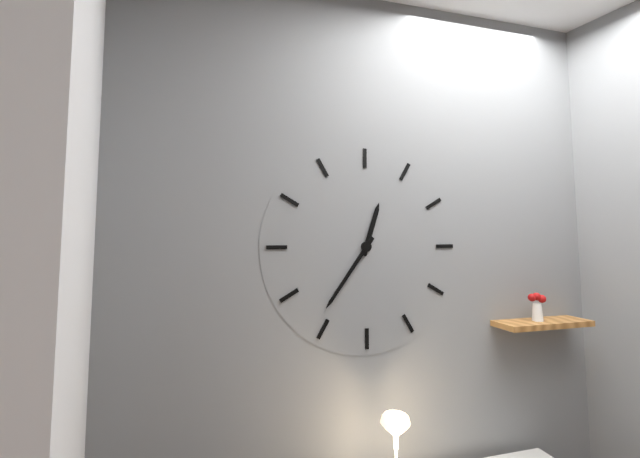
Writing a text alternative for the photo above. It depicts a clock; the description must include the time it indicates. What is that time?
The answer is 12:36
